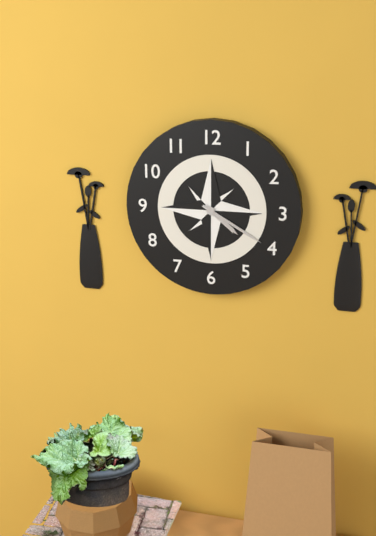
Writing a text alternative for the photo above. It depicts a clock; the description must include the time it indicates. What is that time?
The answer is 4:20
